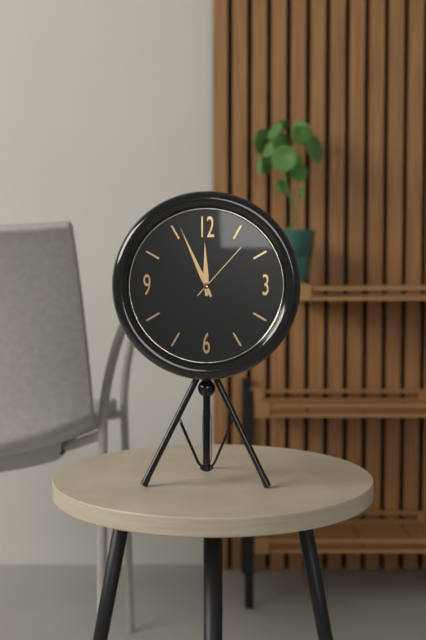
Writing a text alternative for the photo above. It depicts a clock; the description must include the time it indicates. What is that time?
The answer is 11:56:07
